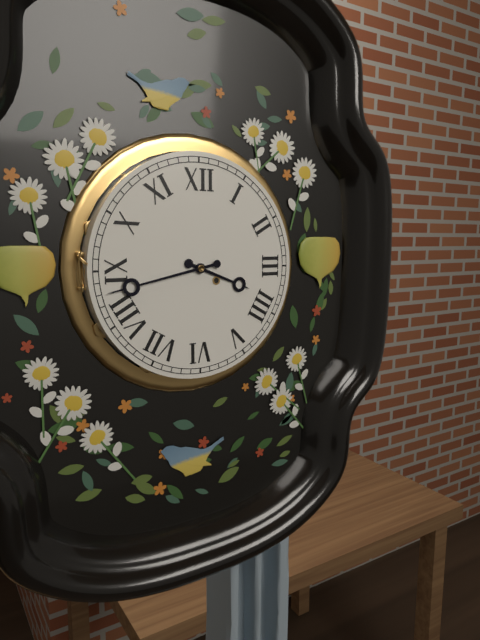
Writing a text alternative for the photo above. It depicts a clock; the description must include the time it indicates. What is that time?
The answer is 3:43
